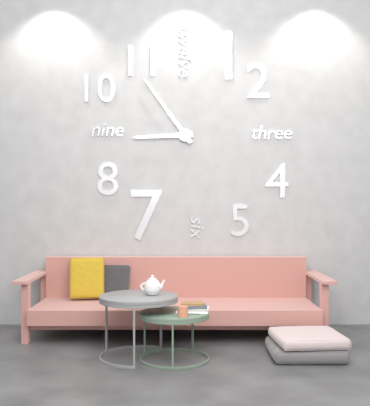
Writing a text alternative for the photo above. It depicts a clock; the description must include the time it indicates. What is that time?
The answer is 8:54
